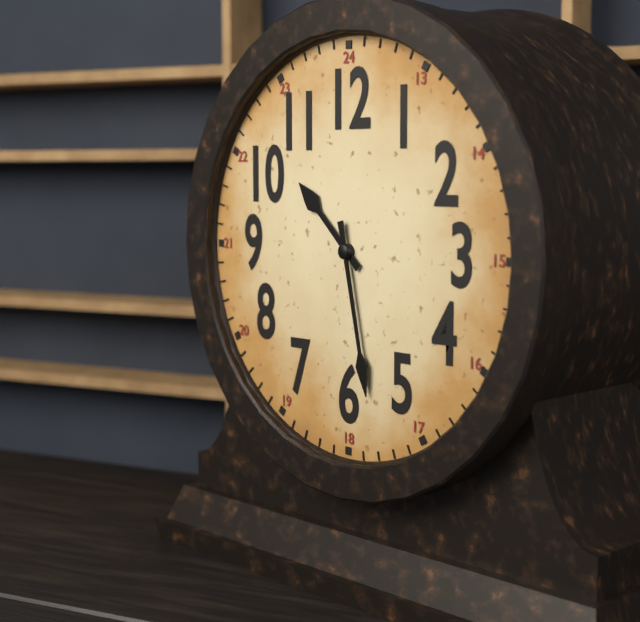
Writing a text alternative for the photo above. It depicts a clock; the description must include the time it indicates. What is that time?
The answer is 10:28
